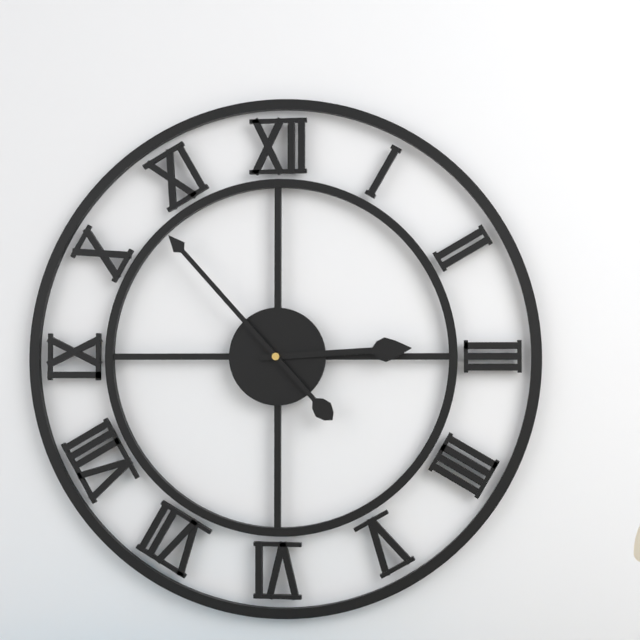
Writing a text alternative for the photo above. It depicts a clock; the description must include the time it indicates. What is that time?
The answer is 2:53
